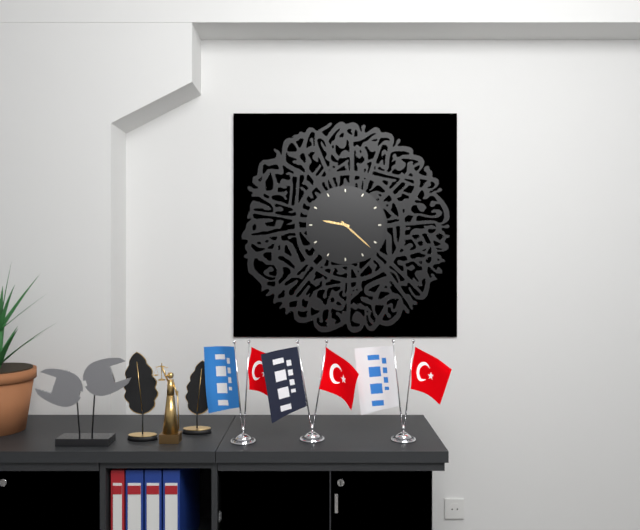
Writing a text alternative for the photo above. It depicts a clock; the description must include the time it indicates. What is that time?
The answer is 9:22
